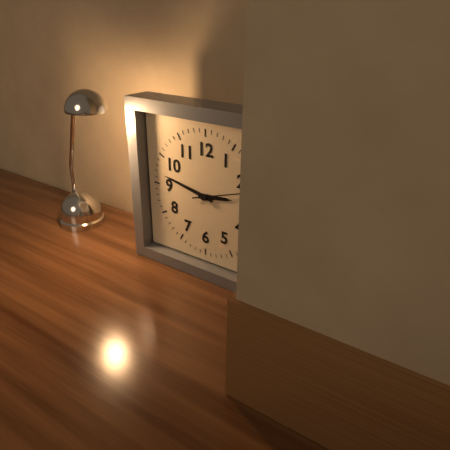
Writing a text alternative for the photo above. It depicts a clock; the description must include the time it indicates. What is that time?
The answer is 2:47:12
